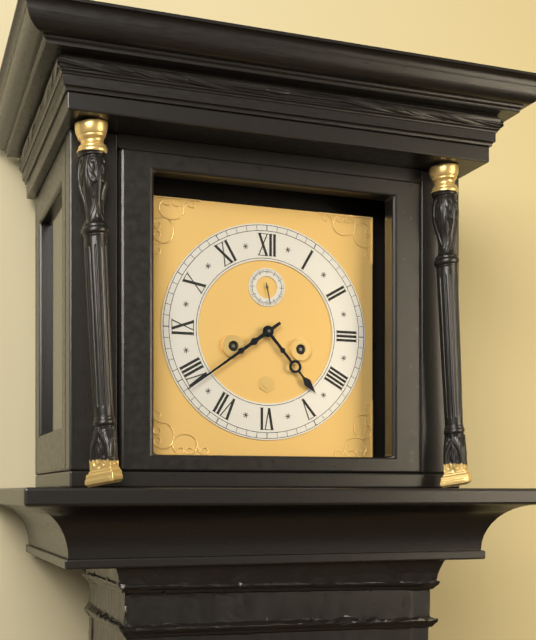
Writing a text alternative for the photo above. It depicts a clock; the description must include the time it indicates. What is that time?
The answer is 4:39
